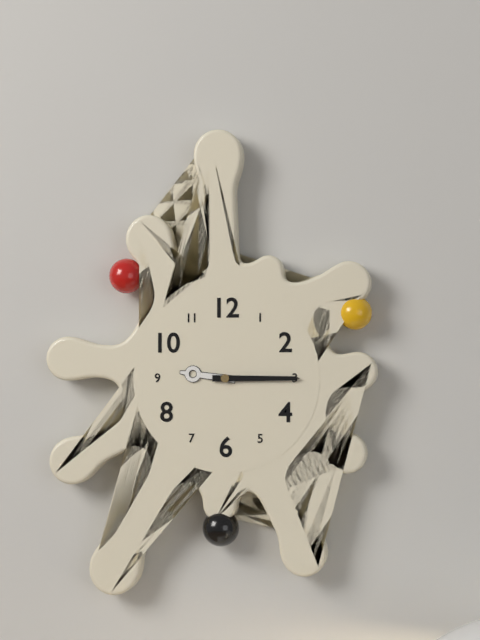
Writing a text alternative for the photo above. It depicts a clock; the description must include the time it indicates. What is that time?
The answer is 9:15
